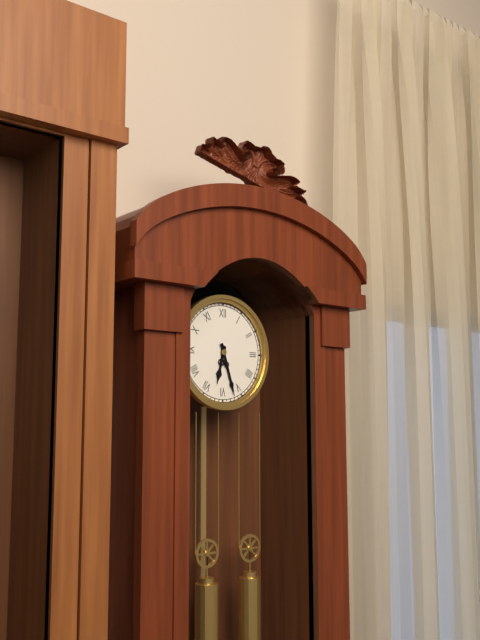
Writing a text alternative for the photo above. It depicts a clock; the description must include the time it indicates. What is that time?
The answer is 6:27
